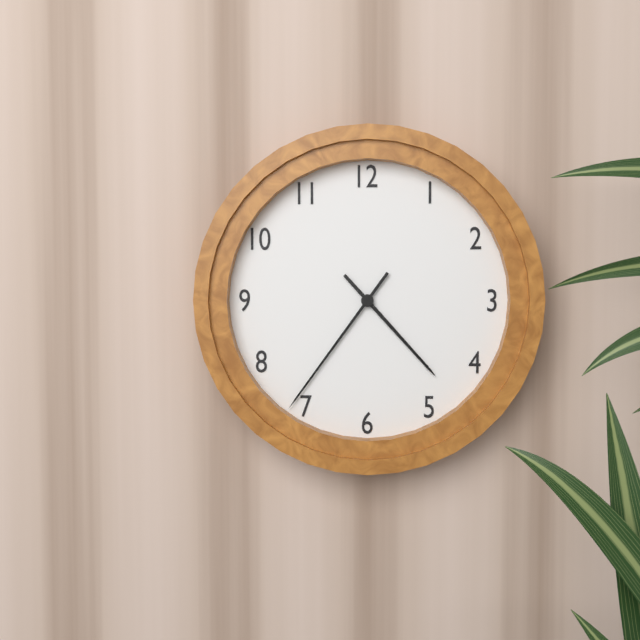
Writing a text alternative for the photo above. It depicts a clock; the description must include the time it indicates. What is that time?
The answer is 4:36
